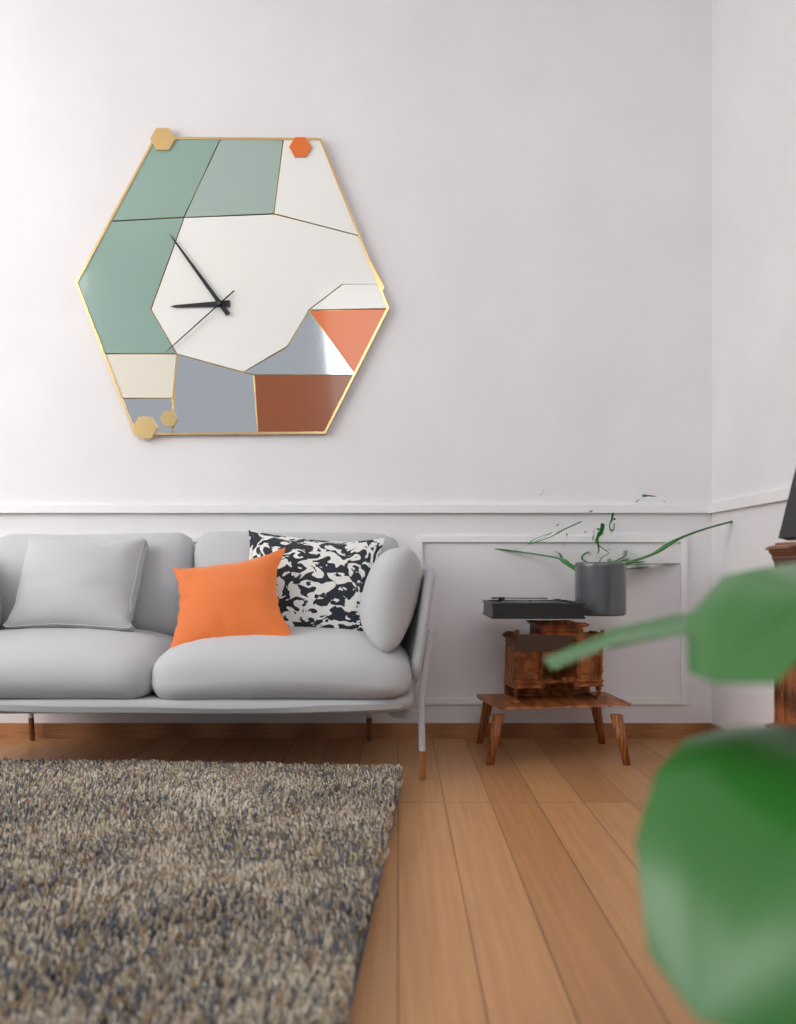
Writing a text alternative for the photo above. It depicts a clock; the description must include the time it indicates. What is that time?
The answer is 8:54:38
